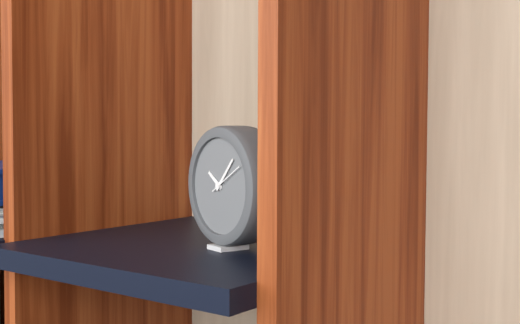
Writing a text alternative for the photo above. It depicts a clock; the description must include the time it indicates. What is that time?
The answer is 10:07
